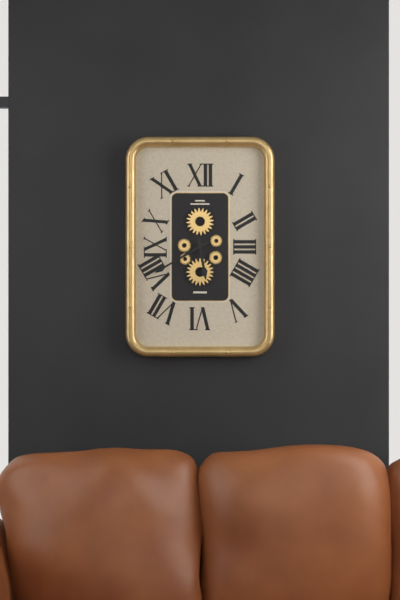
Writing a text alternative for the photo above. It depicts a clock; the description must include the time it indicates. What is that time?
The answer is 5:40
